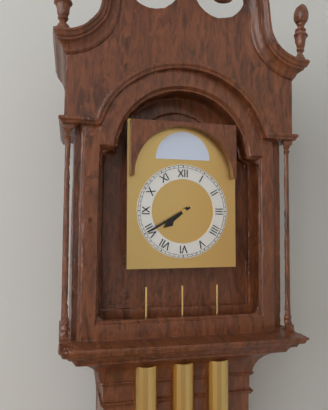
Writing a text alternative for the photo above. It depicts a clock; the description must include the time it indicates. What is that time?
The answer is 7:40
